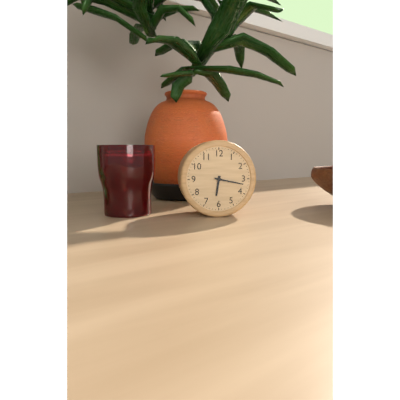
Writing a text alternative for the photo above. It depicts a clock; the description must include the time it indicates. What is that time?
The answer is 6:17
